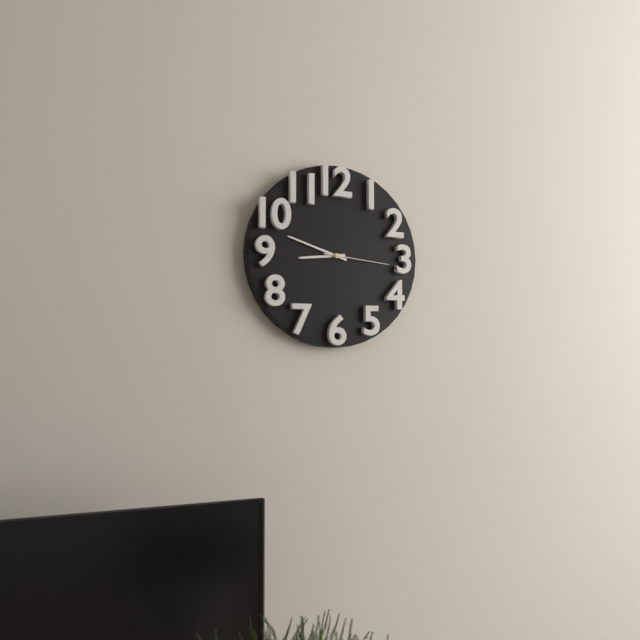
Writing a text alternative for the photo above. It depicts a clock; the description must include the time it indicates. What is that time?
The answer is 8:48:16
